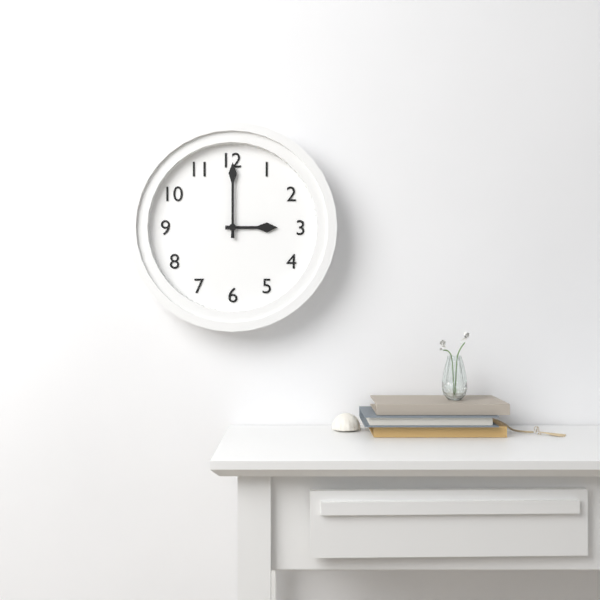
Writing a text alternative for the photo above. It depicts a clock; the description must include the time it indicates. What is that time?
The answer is 3:00
